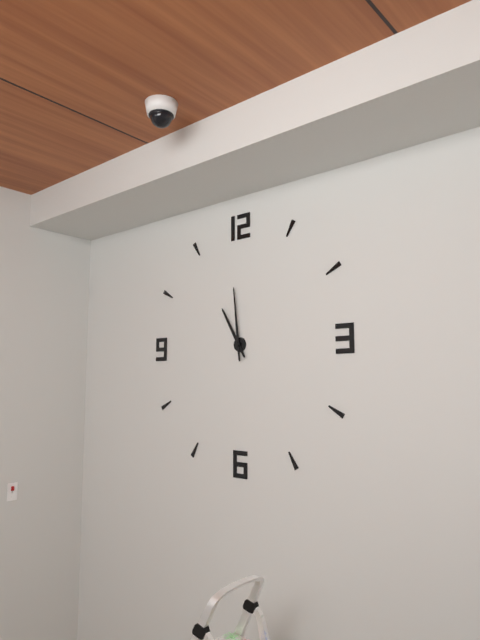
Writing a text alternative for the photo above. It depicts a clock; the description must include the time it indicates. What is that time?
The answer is 10:59
